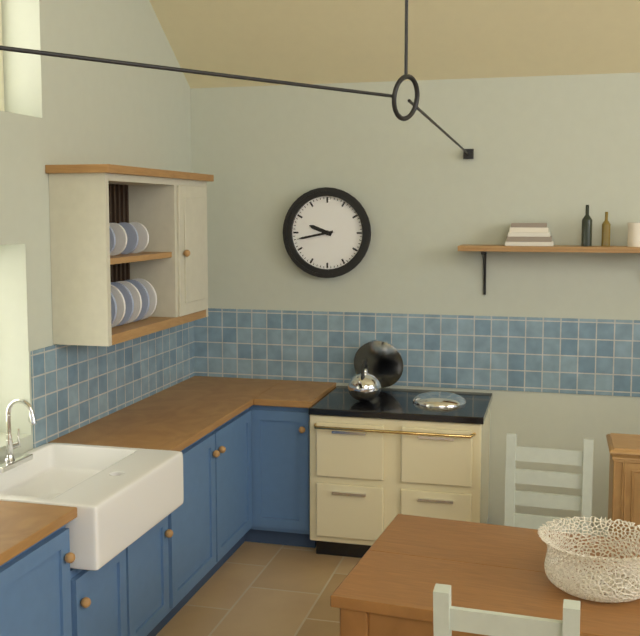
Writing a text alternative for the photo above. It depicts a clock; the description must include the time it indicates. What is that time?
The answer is 9:43
